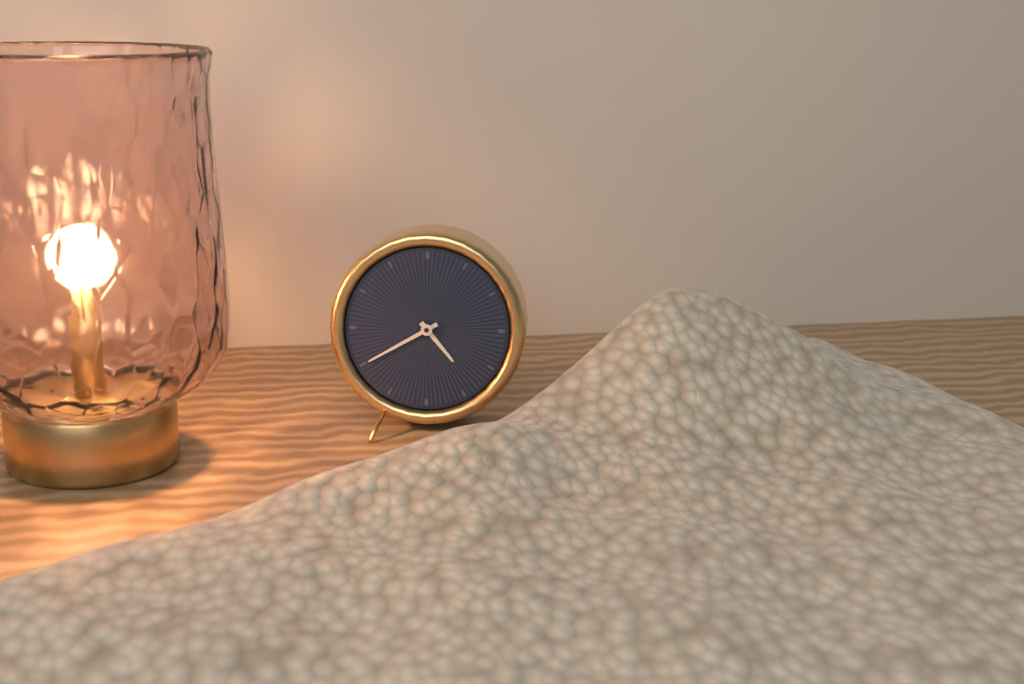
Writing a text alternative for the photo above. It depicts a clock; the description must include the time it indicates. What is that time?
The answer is 4:40
